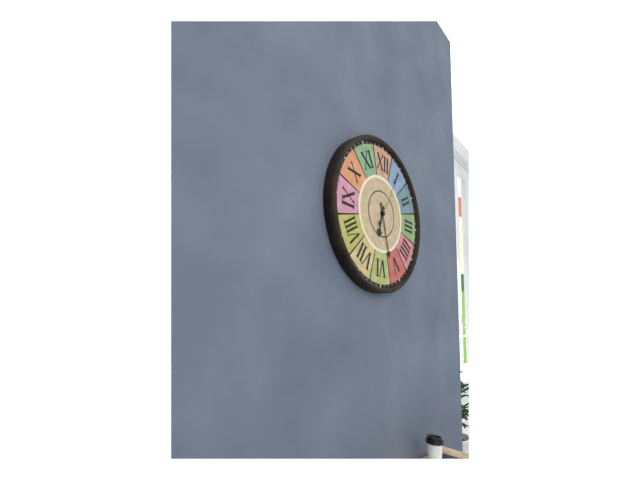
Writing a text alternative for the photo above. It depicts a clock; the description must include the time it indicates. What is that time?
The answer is 6:27
